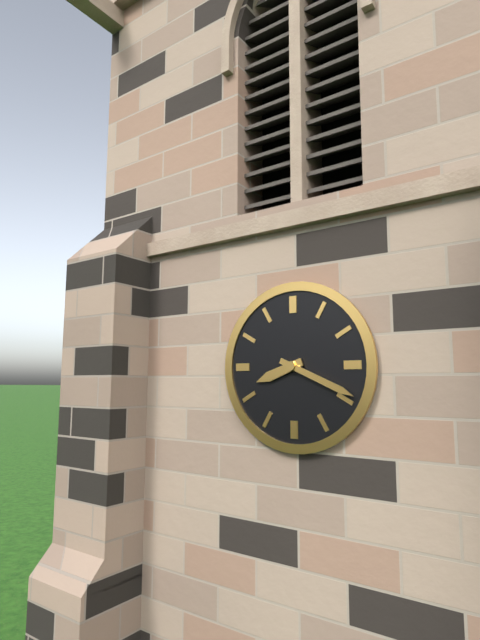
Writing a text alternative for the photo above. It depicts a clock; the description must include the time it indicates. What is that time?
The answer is 8:19
